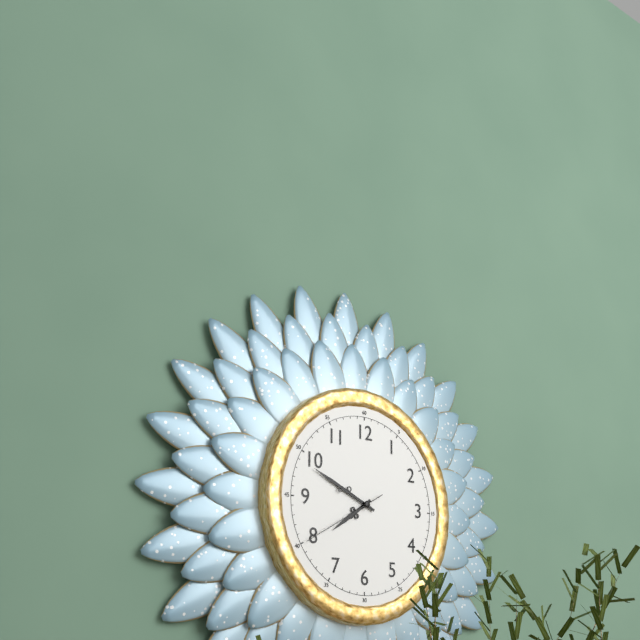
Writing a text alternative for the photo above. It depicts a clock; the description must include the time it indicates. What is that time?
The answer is 7:49:40
